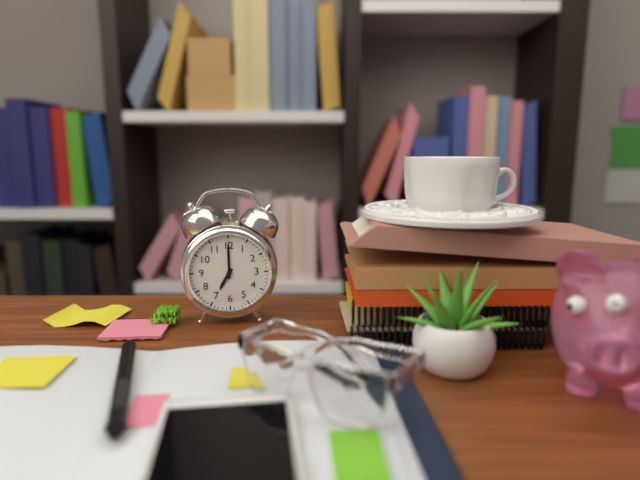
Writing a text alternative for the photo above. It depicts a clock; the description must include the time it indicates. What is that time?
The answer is 7:00
